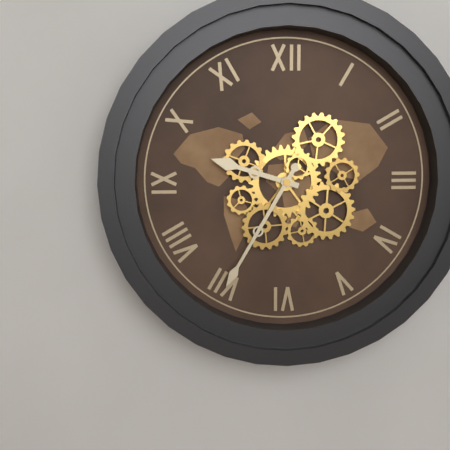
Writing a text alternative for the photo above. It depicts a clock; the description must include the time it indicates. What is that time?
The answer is 9:35
